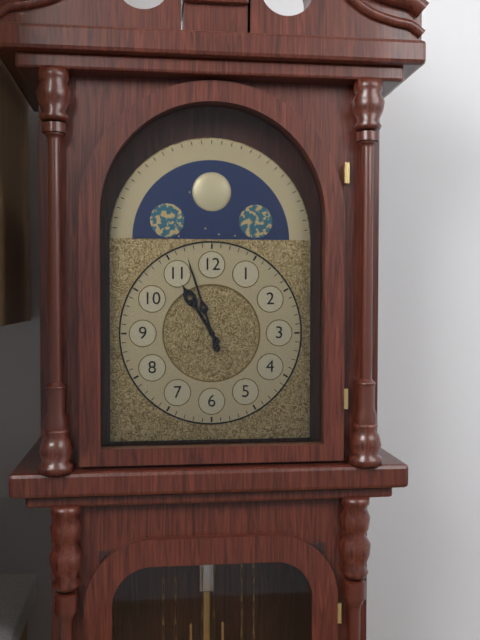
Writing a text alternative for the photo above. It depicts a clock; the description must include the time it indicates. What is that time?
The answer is 10:57
